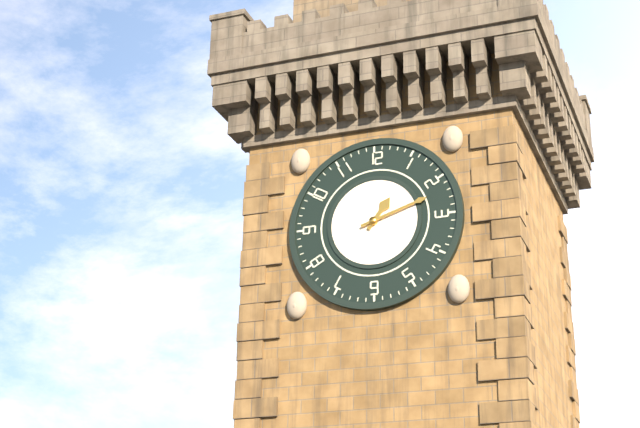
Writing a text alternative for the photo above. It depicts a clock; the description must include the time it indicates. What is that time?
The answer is 1:12
